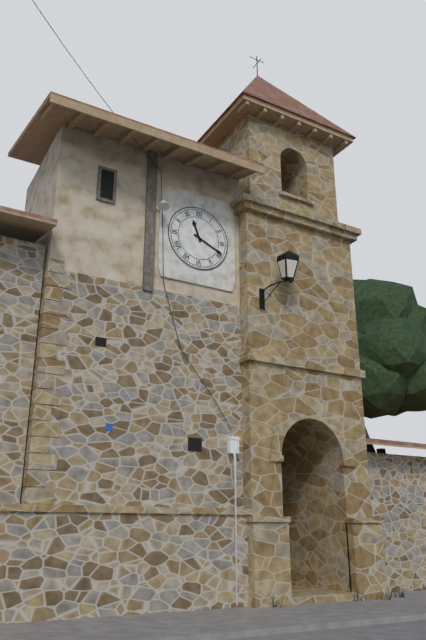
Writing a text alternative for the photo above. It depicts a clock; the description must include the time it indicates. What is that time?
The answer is 11:19
